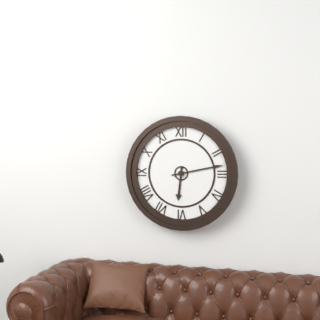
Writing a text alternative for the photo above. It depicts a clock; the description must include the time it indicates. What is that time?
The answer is 6:13
